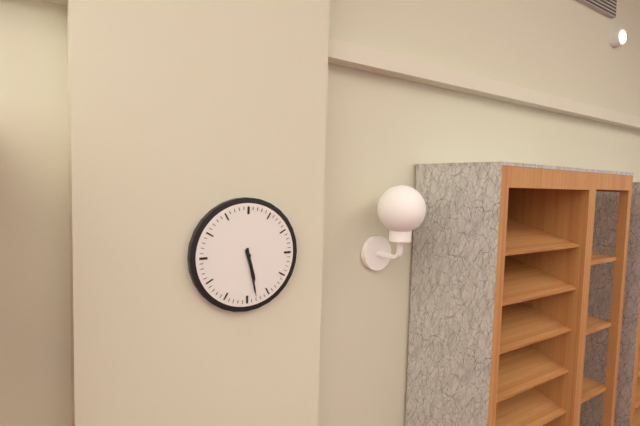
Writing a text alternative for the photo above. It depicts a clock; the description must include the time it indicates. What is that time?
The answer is 5:28
